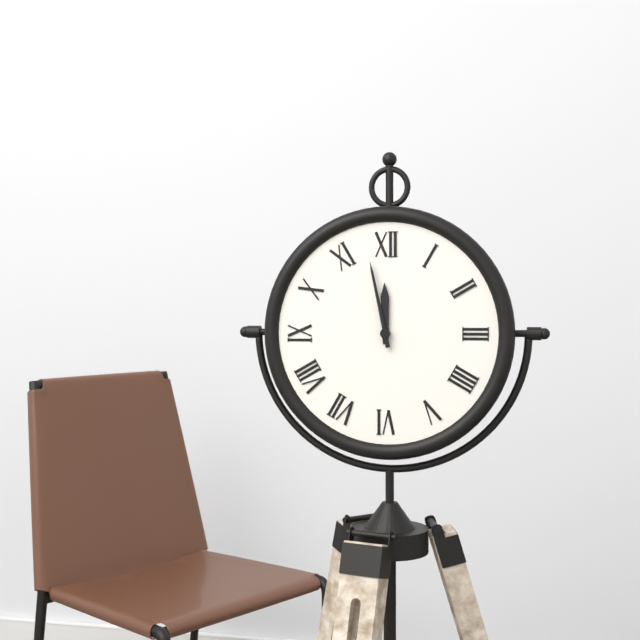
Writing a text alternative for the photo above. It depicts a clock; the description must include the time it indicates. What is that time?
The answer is 11:58
